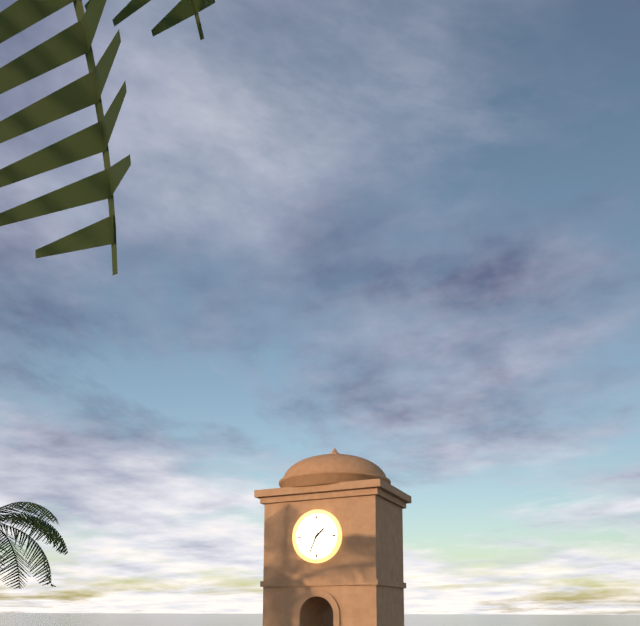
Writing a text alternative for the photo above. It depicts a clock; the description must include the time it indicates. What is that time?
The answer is 1:34
